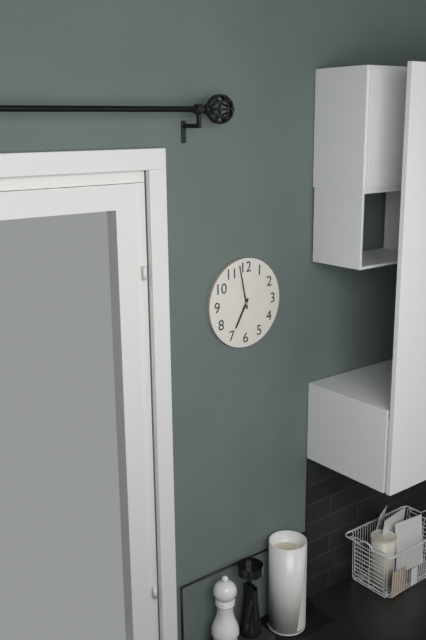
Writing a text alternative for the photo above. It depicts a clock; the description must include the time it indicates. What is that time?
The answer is 6:58
